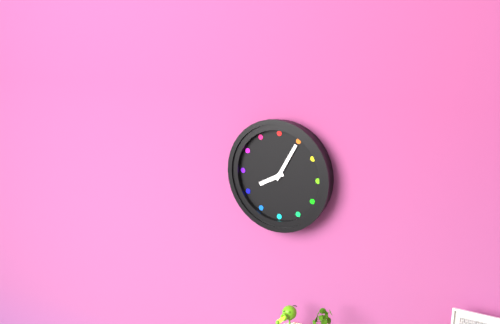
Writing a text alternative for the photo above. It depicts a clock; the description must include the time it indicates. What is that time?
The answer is 8:05
